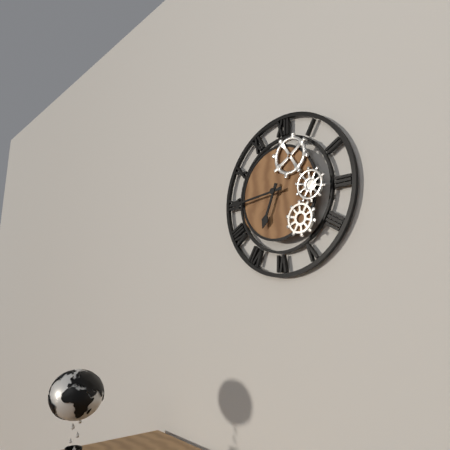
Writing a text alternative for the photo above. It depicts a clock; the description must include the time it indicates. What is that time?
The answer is 6:44
